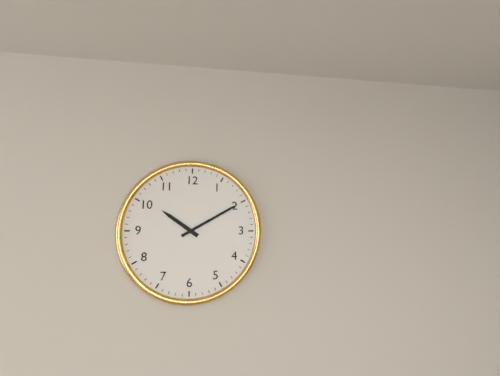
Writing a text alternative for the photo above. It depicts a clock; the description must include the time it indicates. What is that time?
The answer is 10:10
